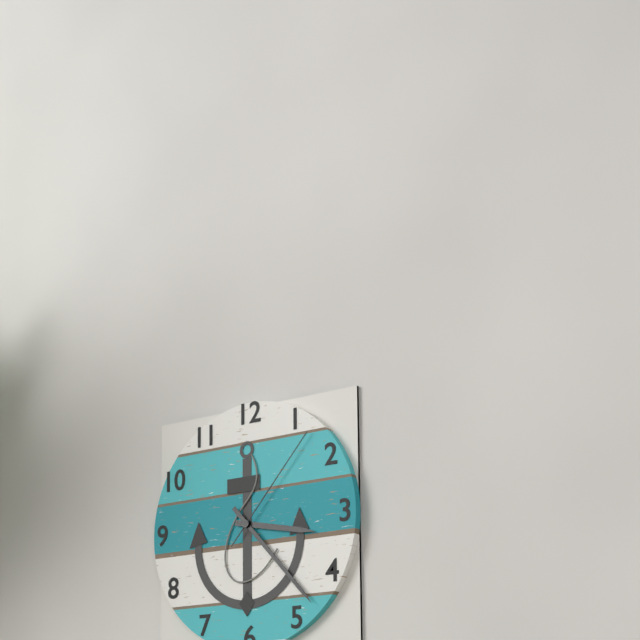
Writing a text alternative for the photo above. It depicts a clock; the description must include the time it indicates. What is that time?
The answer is 3:23:07
